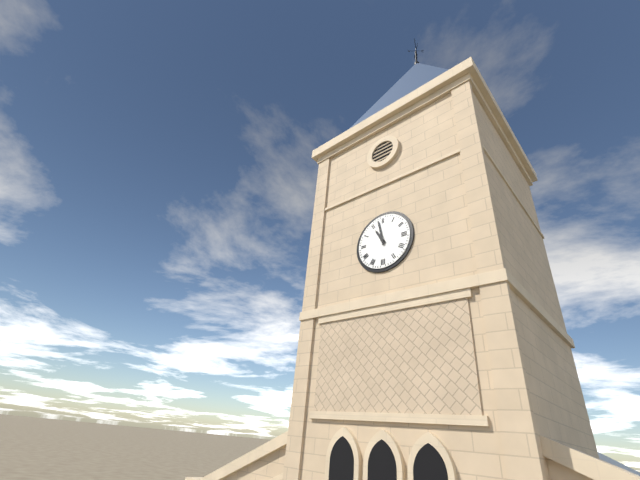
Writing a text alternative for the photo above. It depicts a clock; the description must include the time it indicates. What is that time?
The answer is 10:58
